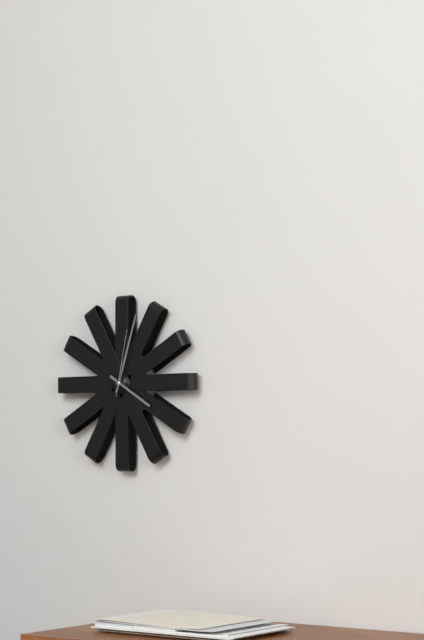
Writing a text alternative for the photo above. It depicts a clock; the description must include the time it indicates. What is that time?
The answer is 4:03:02
